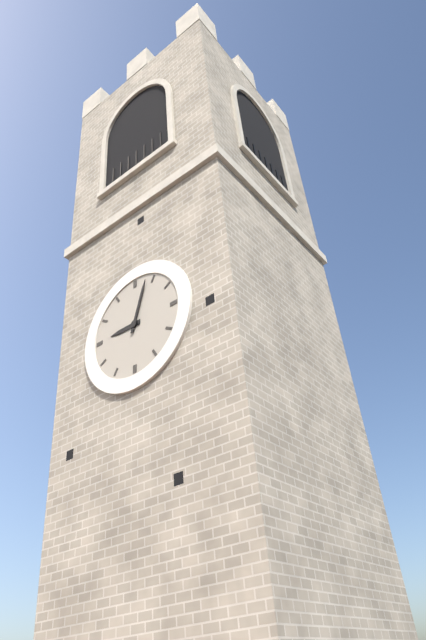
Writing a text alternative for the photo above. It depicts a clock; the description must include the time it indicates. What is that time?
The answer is 9:03
